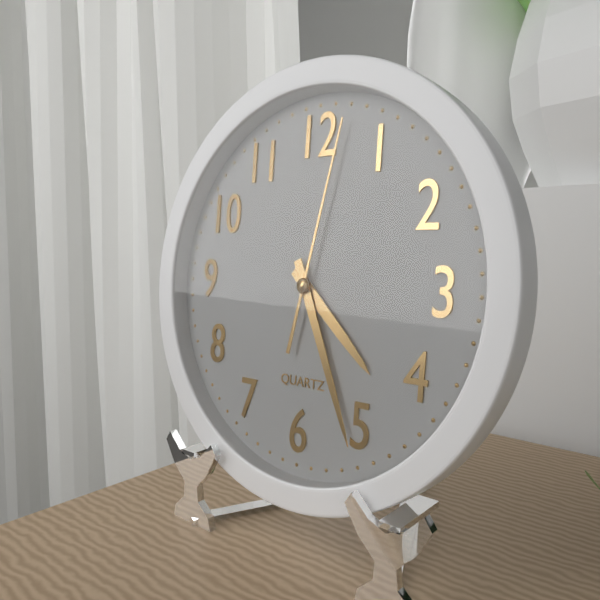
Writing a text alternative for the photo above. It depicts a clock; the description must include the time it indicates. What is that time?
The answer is 4:26:02
